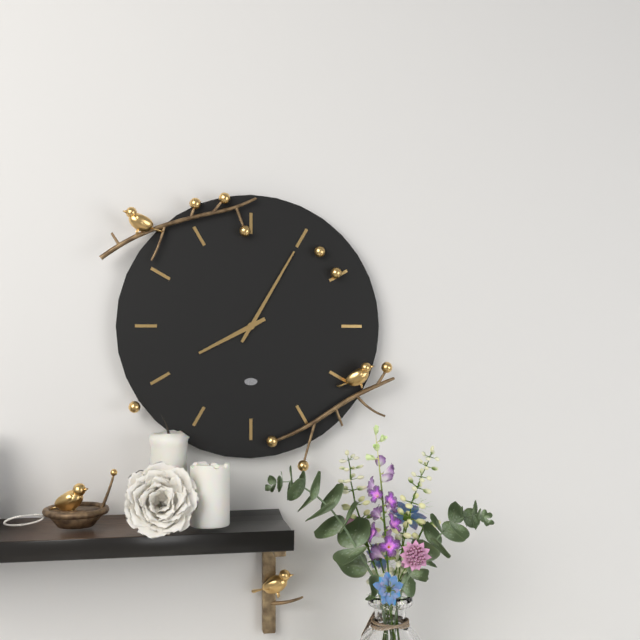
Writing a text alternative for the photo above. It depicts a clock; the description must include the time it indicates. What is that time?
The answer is 8:05
